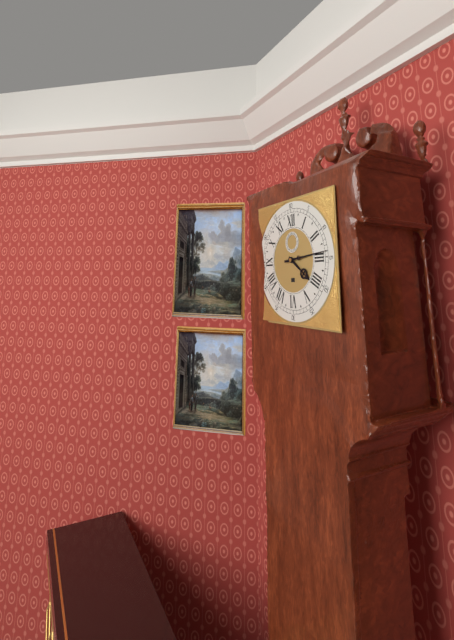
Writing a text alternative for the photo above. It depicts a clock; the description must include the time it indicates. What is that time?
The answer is 4:14
